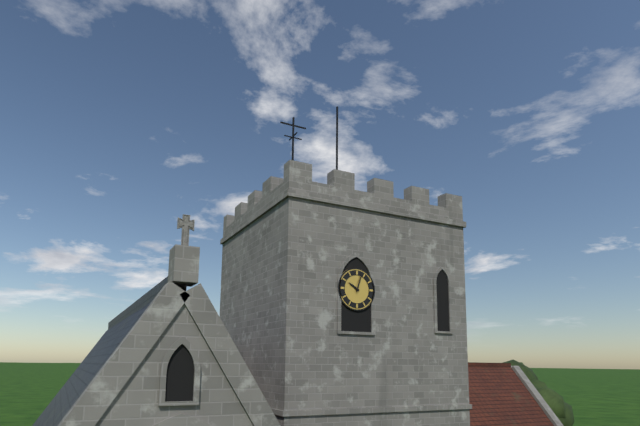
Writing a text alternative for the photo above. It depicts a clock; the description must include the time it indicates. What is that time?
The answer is 10:03
